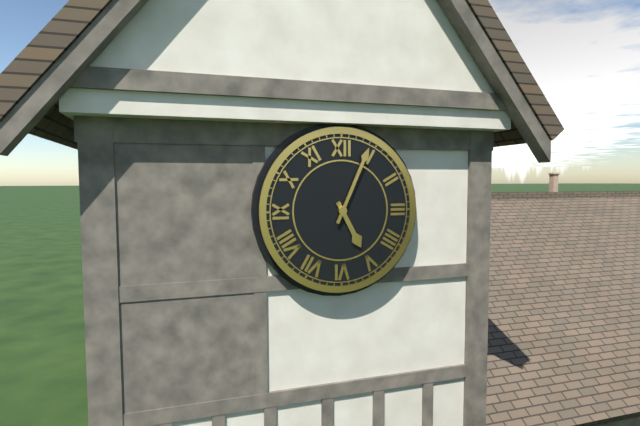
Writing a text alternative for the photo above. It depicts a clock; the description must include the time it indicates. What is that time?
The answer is 5:04
